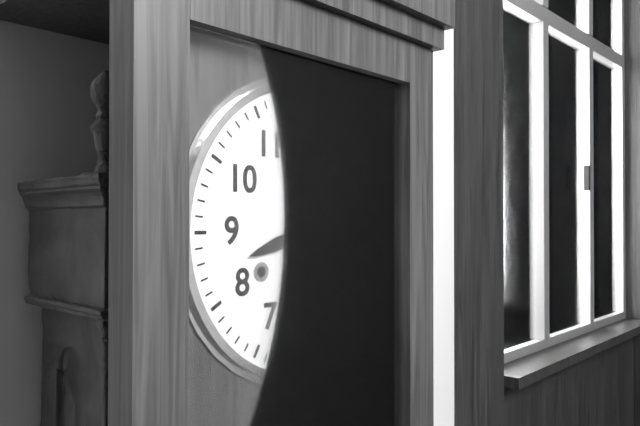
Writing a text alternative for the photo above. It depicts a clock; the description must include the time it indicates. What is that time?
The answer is 8:27
